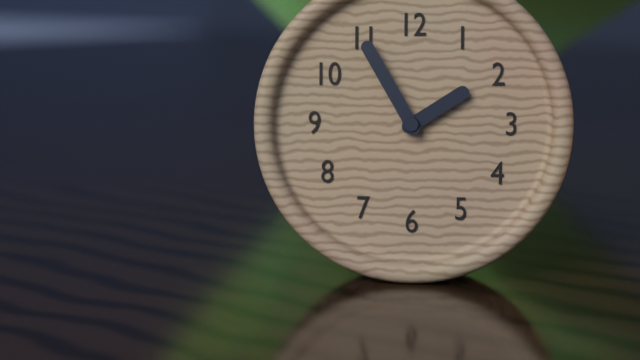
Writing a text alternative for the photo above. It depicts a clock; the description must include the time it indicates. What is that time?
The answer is 1:55
